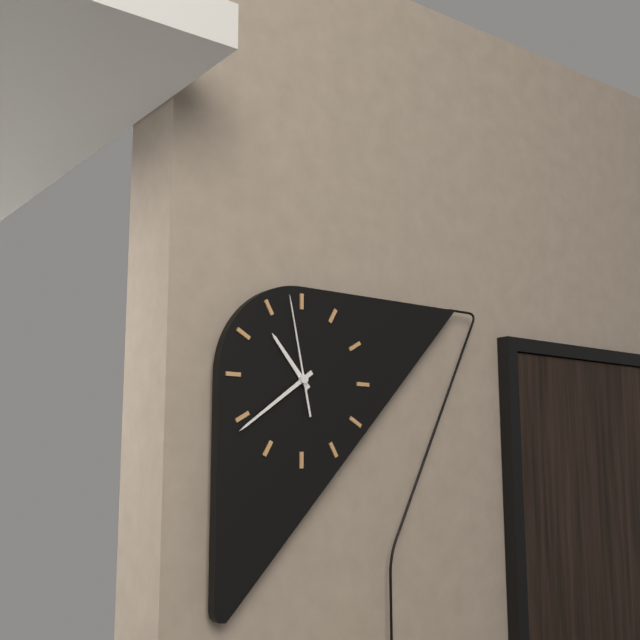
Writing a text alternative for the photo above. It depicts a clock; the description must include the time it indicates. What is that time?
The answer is 10:39:58
